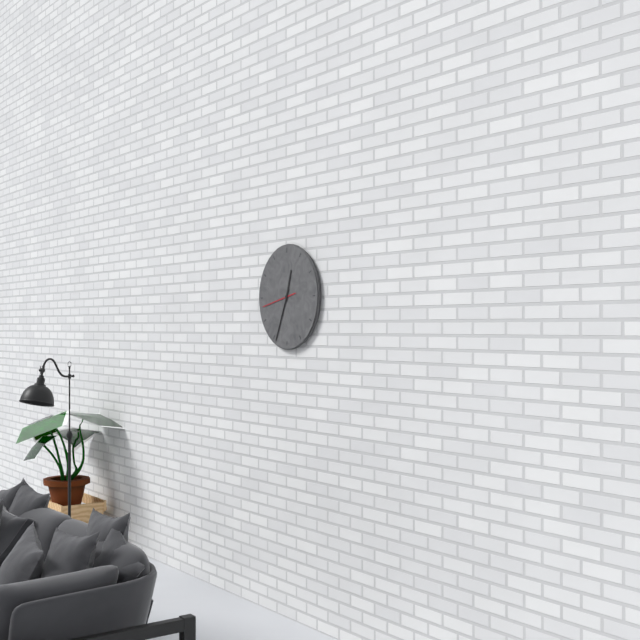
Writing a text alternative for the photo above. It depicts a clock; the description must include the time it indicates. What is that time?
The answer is 12:34
